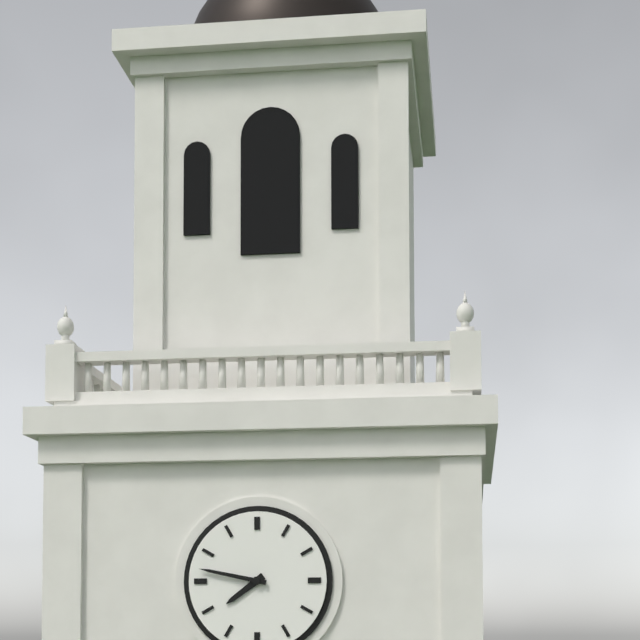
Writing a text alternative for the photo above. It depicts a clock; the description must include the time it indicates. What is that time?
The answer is 7:47
